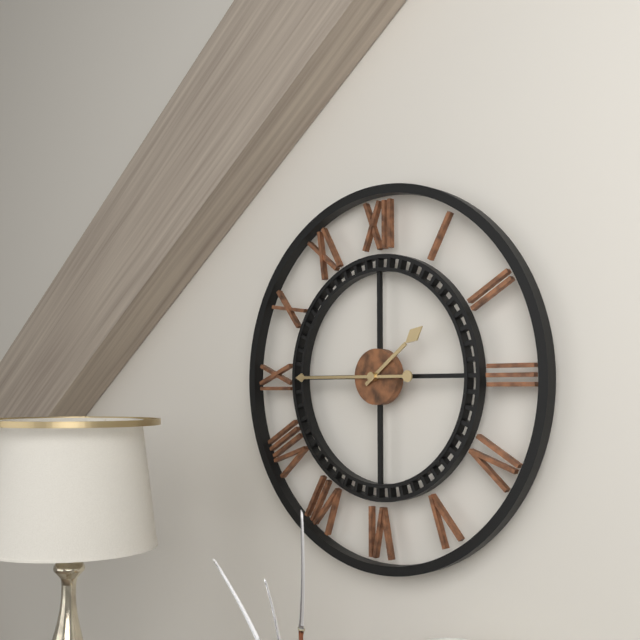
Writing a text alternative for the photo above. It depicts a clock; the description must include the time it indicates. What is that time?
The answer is 1:45
